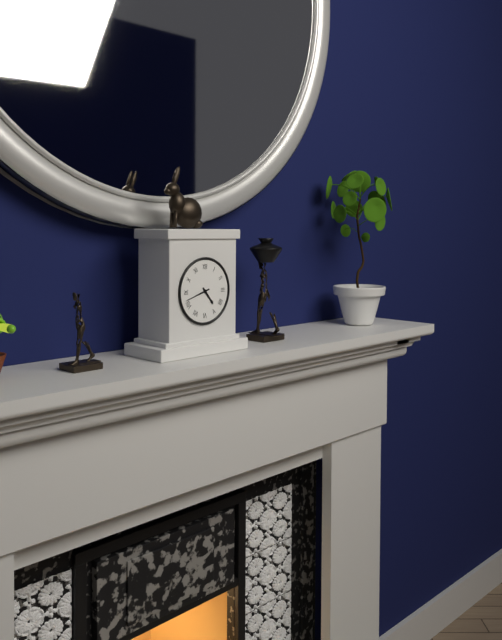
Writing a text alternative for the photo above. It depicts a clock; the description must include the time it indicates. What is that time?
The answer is 4:42
